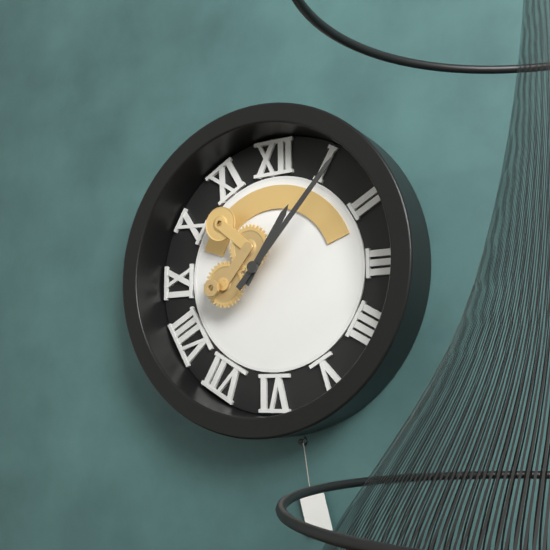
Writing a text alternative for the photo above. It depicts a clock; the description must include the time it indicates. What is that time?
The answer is 1:07
